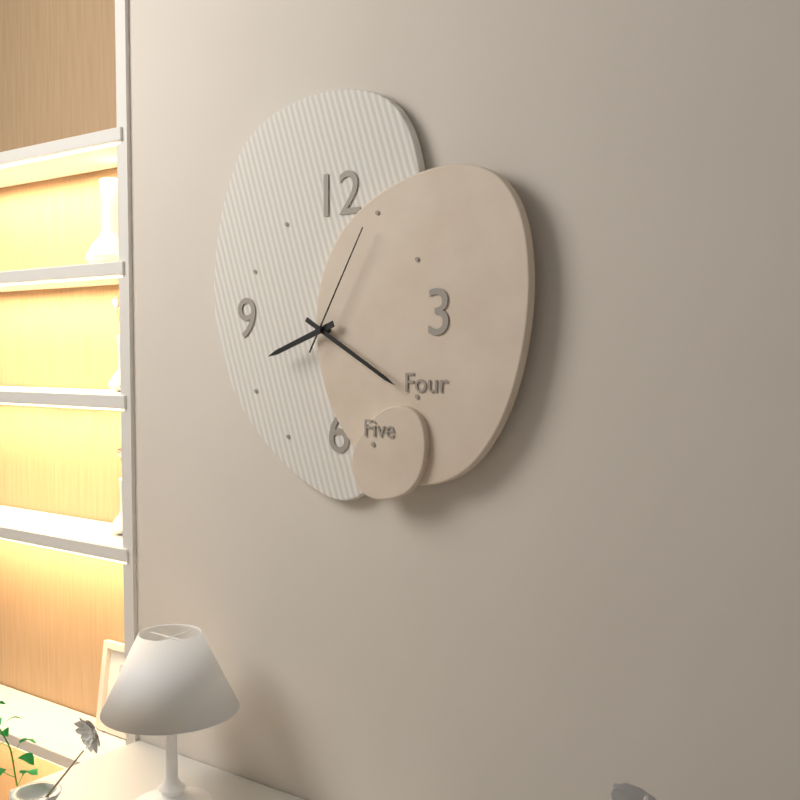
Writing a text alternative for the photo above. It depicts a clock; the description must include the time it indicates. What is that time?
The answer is 8:20:05
